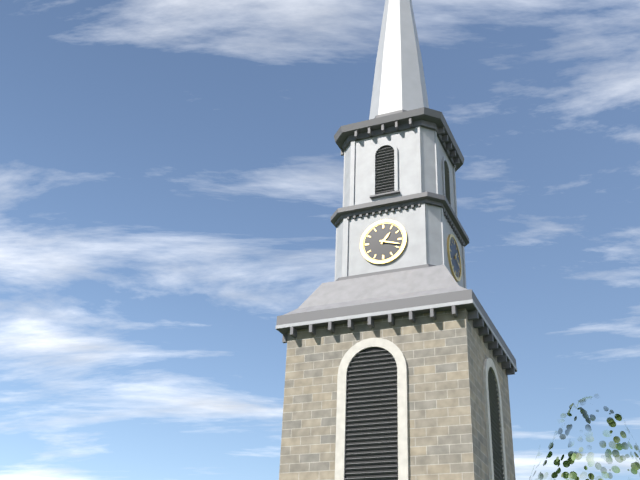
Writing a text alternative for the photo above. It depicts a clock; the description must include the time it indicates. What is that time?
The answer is 1:18
